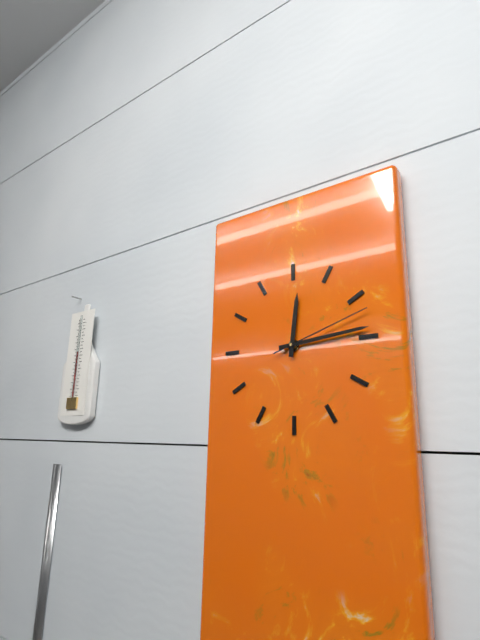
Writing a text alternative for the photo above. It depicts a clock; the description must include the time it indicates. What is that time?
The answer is 12:14:12
